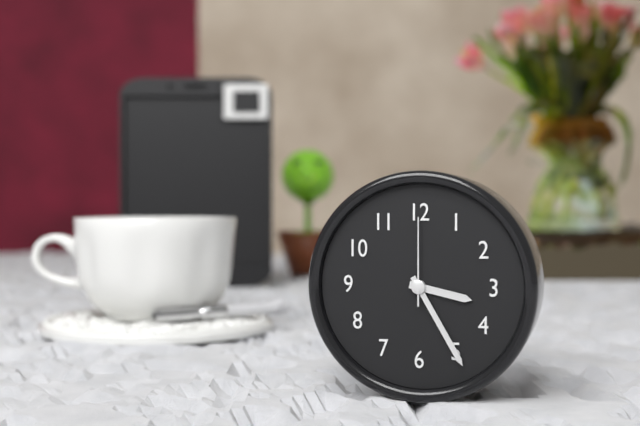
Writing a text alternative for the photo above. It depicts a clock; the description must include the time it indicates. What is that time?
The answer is 3:25:00
